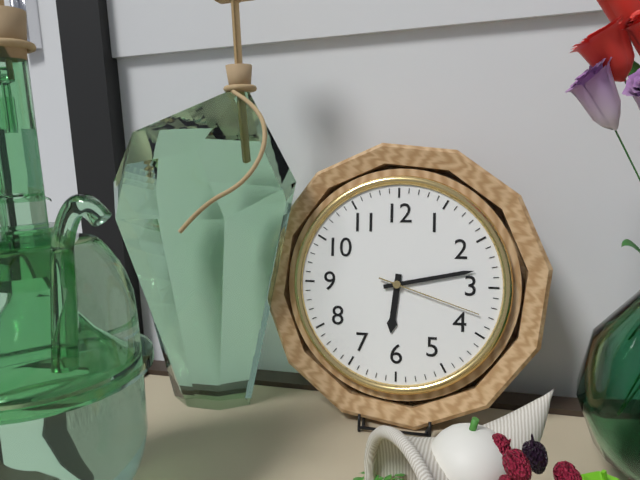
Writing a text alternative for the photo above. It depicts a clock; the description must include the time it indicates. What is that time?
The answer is 6:13:18
